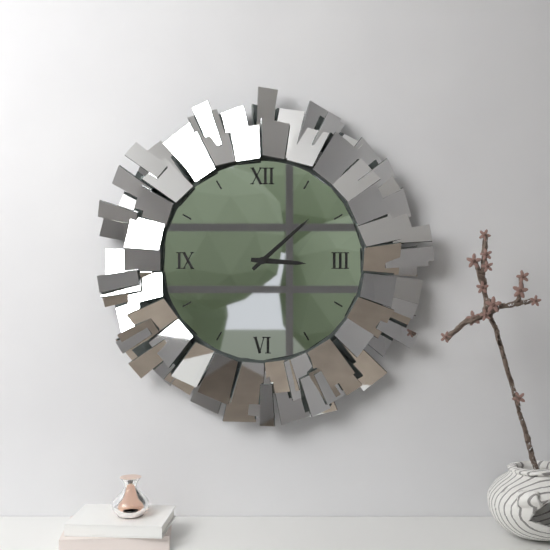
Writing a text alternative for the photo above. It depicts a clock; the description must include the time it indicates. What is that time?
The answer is 3:08
